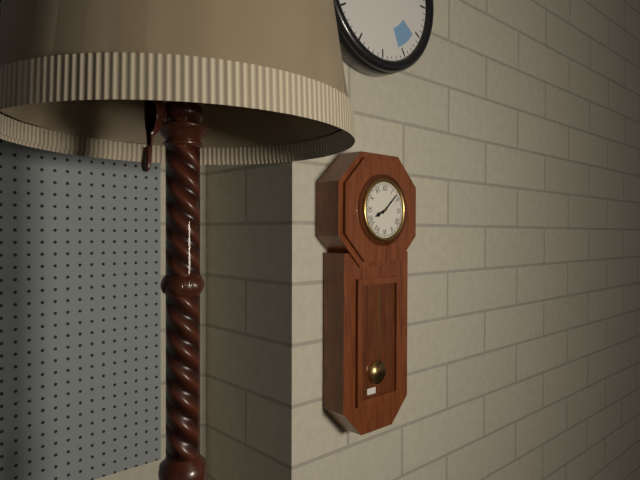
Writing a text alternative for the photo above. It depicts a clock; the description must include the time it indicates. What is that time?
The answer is 8:08
